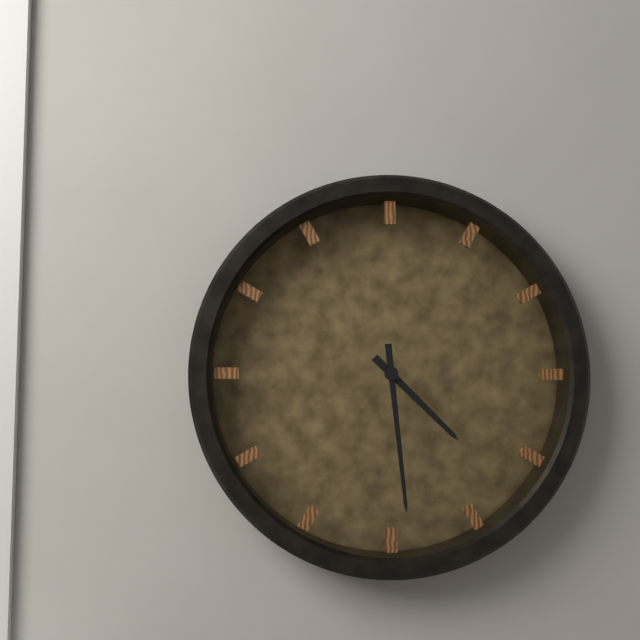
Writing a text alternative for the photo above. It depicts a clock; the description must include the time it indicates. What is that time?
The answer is 4:29
